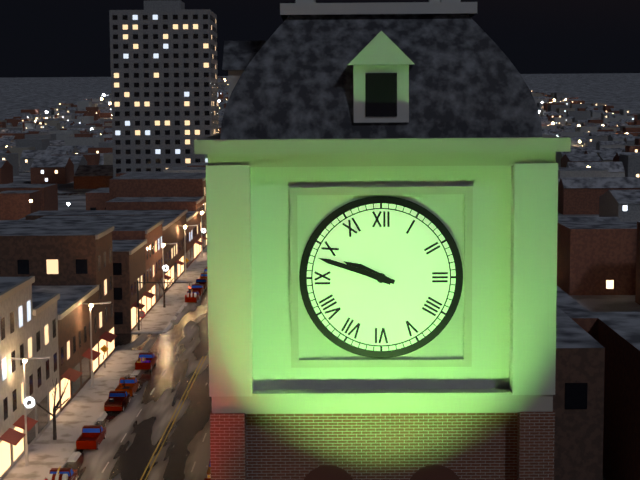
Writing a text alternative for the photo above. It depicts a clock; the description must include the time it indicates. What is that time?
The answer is 9:48
